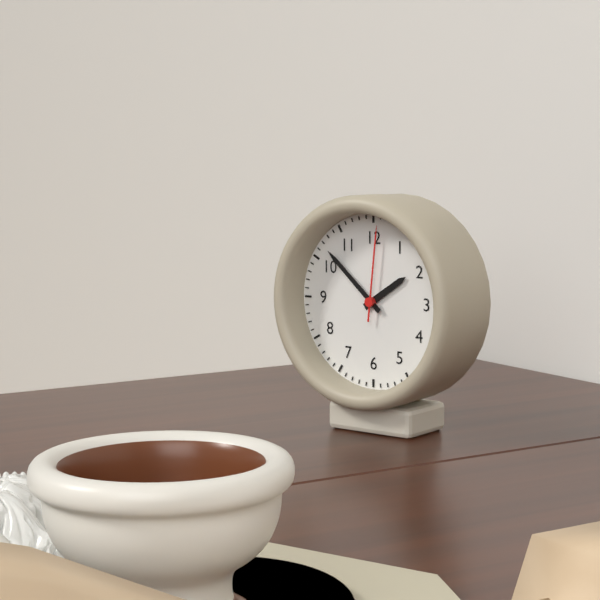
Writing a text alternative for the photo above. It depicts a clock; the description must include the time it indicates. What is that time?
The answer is 1:52:01
